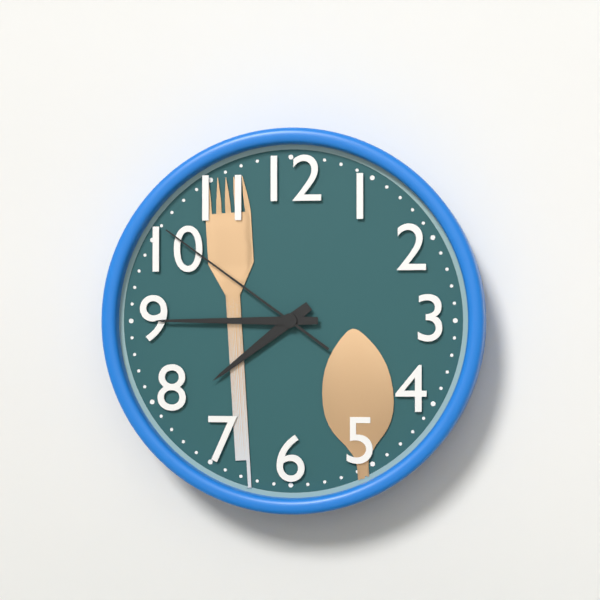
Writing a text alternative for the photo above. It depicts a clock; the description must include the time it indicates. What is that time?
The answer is 7:45:51
